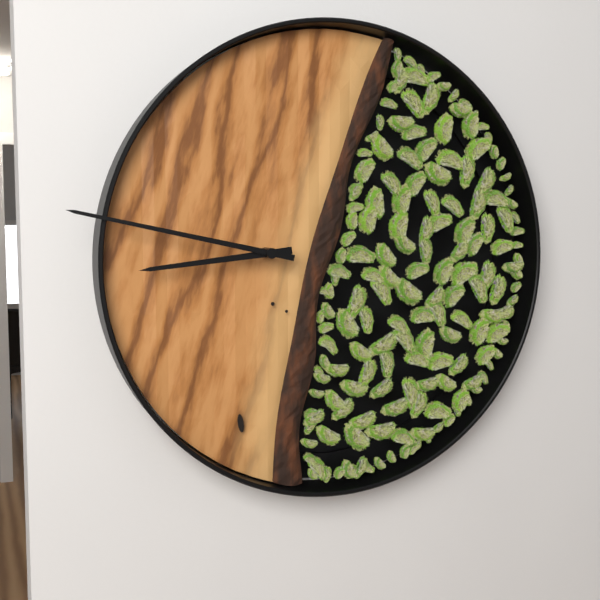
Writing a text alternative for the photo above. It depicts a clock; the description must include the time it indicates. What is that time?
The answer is 8:47
